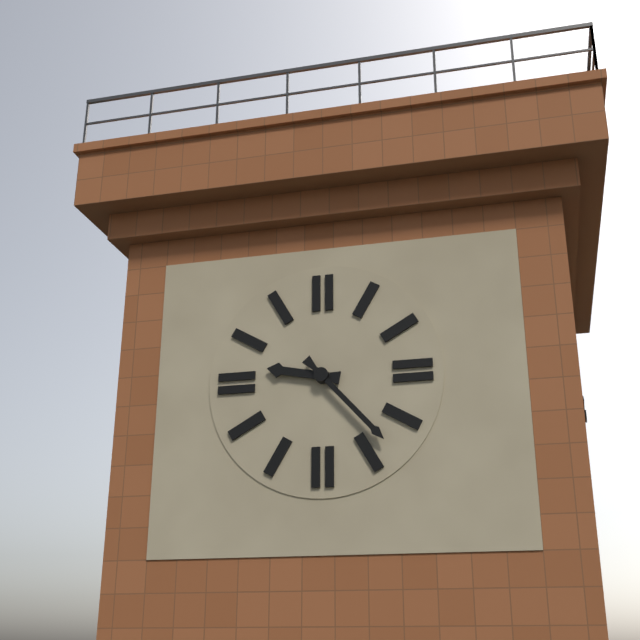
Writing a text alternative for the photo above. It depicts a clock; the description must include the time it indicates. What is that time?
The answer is 9:23
